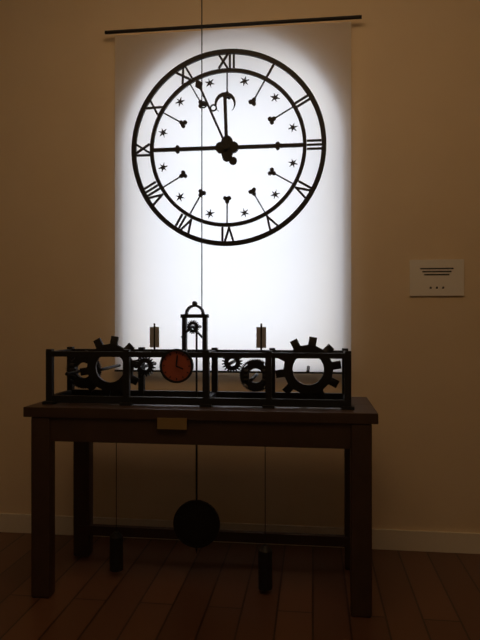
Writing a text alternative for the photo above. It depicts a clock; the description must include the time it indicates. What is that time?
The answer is 11:56
